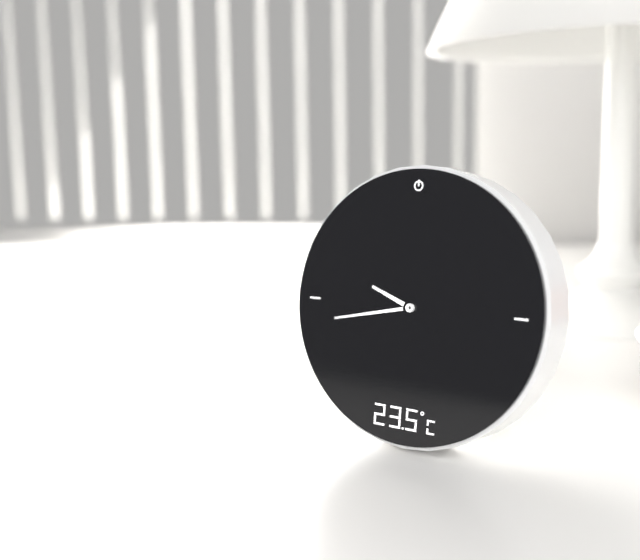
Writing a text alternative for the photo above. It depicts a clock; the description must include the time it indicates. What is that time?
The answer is 9:43
